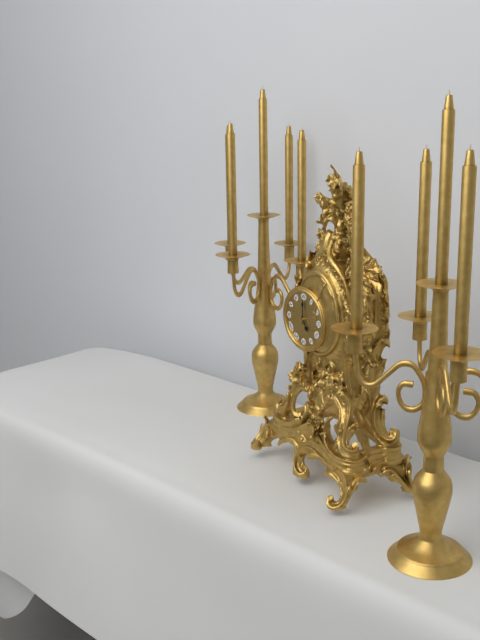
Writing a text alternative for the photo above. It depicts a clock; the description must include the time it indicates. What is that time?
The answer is 5:00
